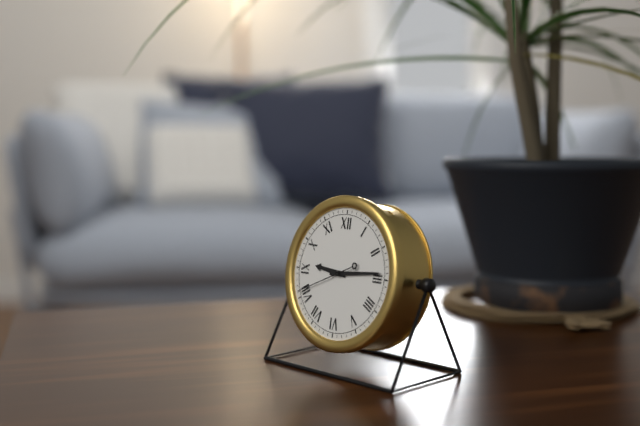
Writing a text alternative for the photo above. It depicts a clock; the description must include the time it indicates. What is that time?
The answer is 9:14:41
